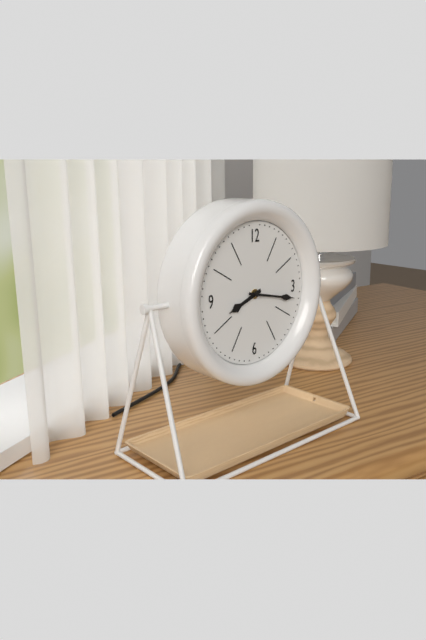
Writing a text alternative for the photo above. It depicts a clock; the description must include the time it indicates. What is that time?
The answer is 8:17
